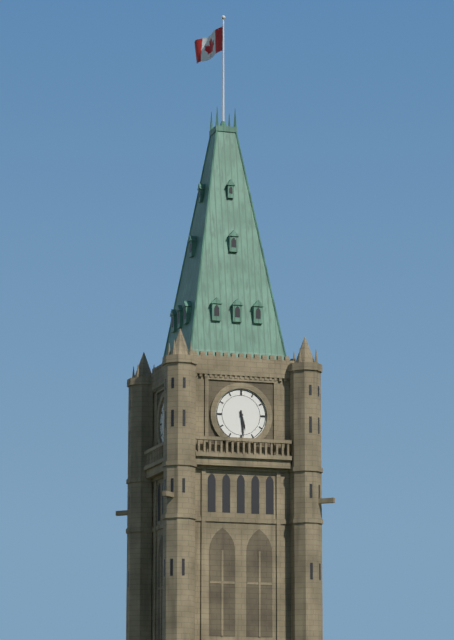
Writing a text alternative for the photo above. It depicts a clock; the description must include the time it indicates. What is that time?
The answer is 5:29
